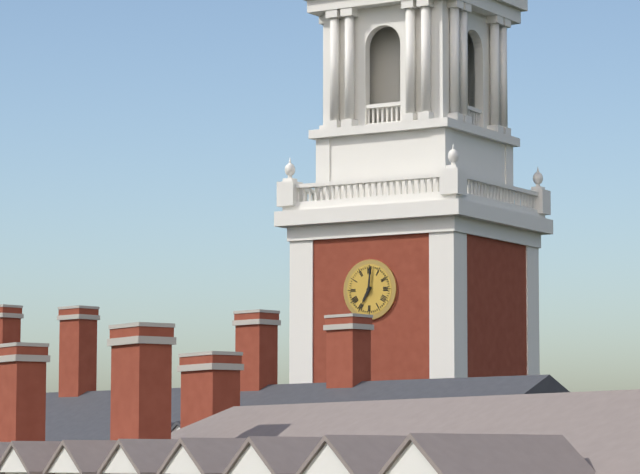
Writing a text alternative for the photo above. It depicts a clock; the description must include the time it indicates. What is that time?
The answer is 7:01
